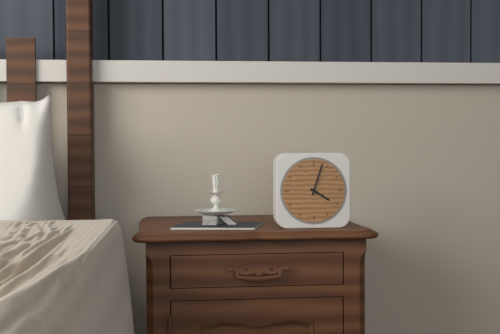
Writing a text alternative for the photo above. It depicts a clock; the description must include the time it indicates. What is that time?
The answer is 4:03
